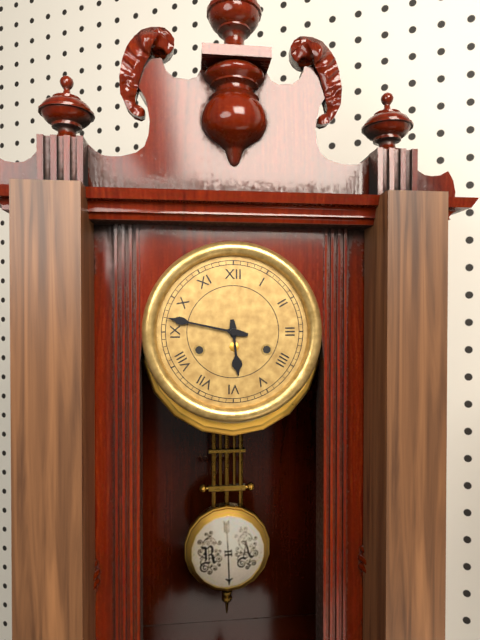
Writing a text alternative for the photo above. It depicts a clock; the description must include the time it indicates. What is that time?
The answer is 5:47
